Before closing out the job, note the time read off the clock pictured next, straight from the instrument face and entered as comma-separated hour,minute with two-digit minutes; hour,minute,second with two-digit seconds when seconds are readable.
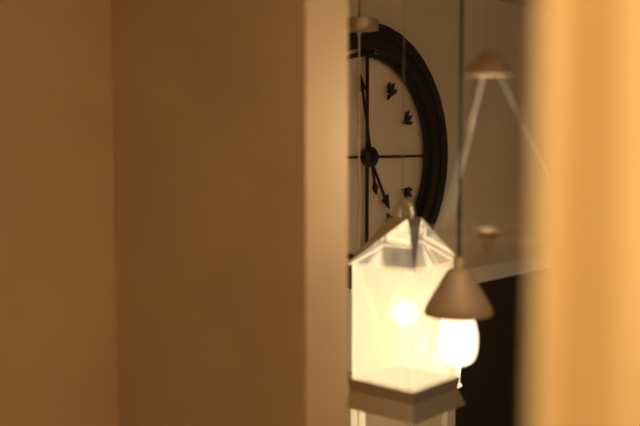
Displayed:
4,58
